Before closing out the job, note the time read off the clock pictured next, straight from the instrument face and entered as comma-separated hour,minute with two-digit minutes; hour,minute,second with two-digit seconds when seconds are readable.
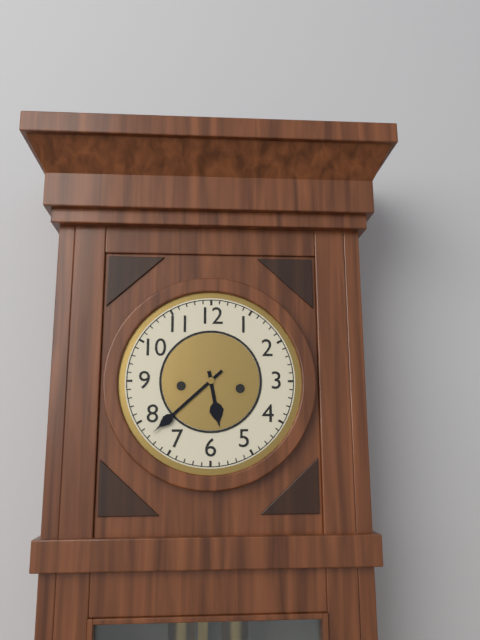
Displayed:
5,38
